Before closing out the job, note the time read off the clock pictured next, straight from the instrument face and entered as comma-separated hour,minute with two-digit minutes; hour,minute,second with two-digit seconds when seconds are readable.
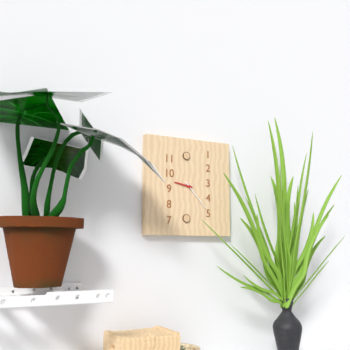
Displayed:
9,23
